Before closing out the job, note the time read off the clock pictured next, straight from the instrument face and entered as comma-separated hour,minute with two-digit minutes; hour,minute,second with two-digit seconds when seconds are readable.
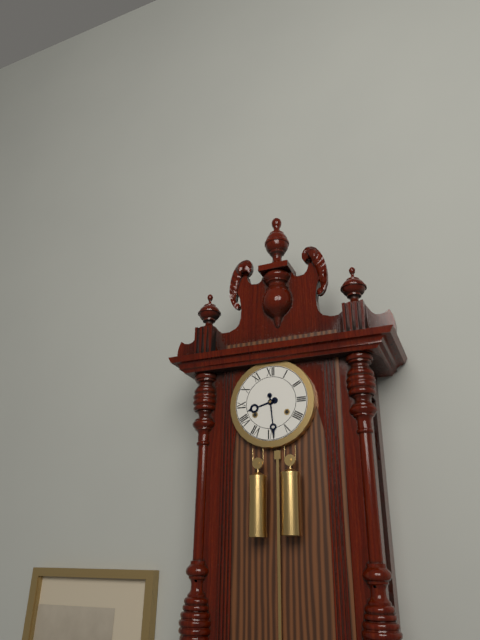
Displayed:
8,29
